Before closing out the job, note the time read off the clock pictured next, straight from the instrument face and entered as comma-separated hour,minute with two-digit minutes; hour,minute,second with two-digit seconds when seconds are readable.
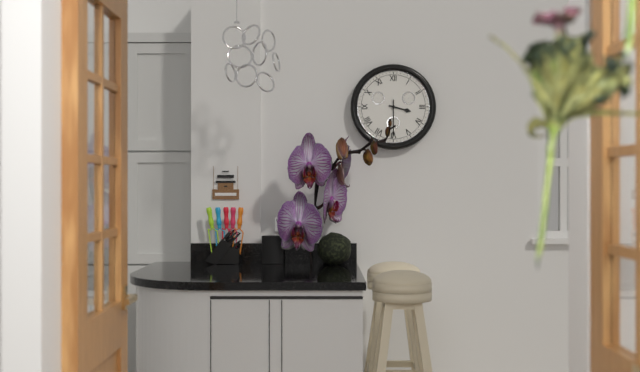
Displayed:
3,30
